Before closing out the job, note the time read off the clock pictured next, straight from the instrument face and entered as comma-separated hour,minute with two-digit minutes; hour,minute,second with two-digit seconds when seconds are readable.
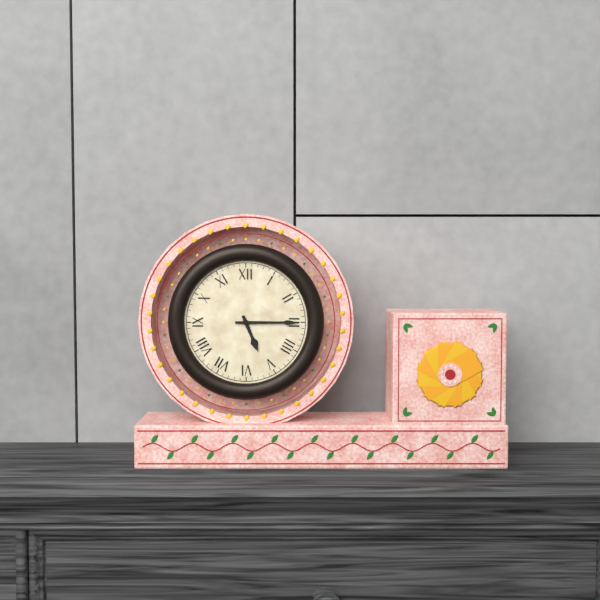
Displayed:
5,15
